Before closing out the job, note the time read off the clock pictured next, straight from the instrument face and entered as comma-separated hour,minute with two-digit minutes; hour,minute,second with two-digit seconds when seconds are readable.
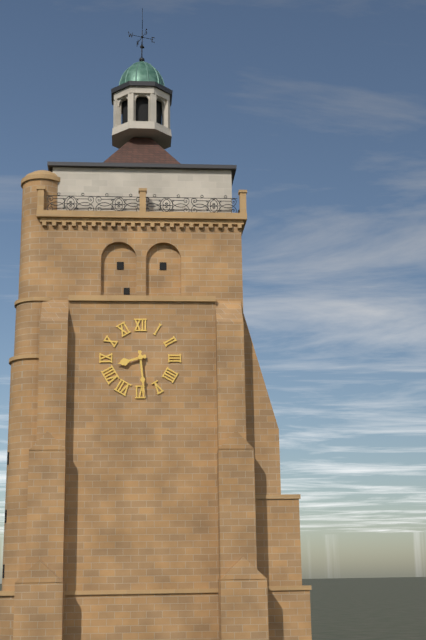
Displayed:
8,29
